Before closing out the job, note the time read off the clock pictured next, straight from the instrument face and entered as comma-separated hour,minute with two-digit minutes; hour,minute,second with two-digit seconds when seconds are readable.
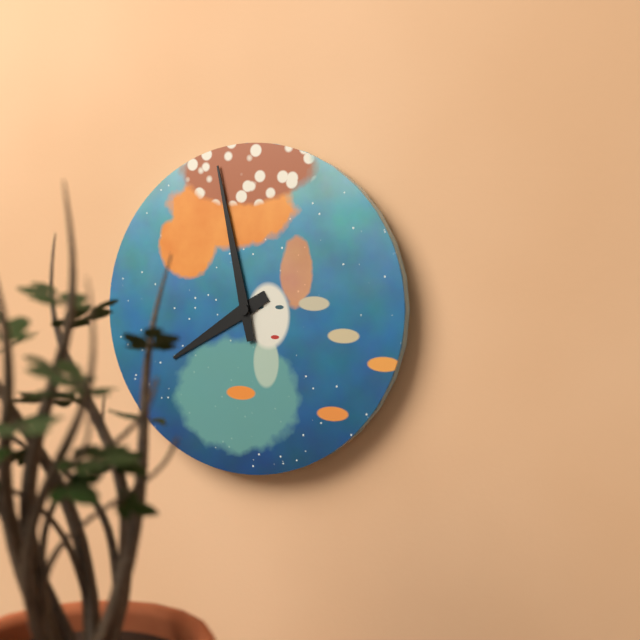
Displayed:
7,58
